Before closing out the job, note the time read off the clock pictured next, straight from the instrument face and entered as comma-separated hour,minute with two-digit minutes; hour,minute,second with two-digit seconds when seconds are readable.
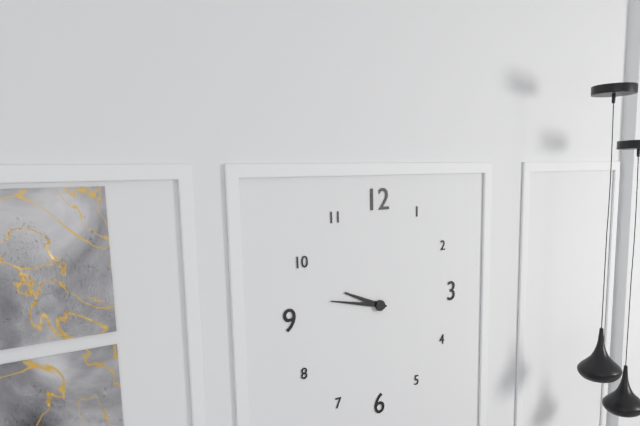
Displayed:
9,47
